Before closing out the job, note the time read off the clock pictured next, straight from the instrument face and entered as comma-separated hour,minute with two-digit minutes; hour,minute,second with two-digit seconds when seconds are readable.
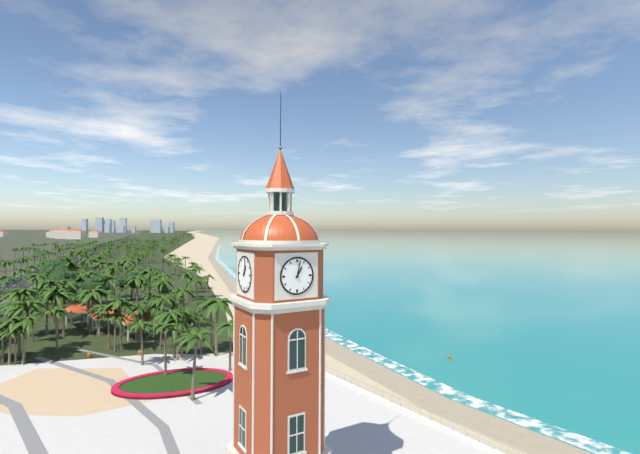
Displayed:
1,02
